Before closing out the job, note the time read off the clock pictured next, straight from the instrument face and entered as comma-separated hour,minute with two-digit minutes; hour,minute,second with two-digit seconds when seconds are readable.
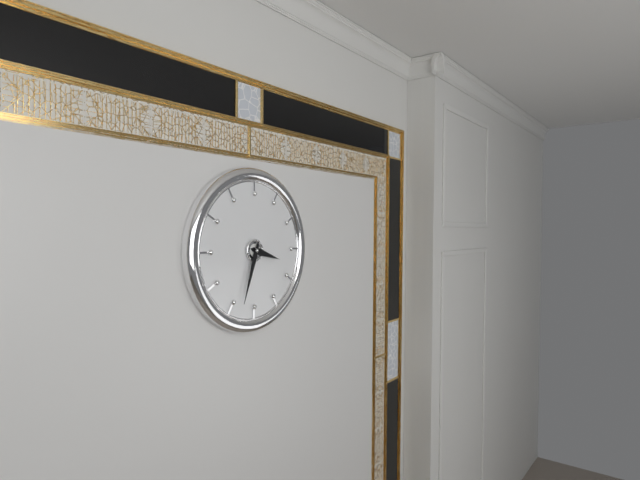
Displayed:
3,33
